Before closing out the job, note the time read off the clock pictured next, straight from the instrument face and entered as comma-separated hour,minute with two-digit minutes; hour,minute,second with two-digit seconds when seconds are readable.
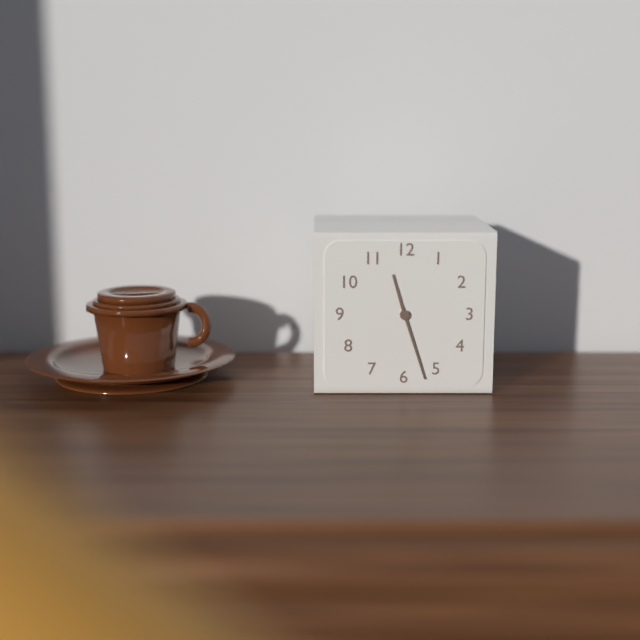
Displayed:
11,27
